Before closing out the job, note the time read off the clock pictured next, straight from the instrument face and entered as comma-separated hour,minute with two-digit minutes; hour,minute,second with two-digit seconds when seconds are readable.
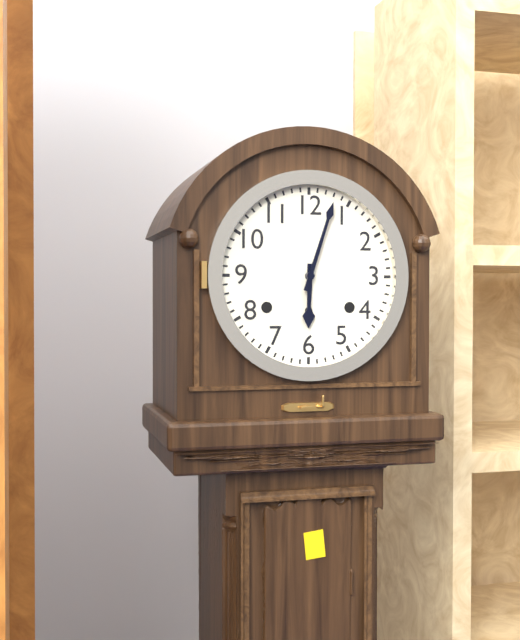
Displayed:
6,03
